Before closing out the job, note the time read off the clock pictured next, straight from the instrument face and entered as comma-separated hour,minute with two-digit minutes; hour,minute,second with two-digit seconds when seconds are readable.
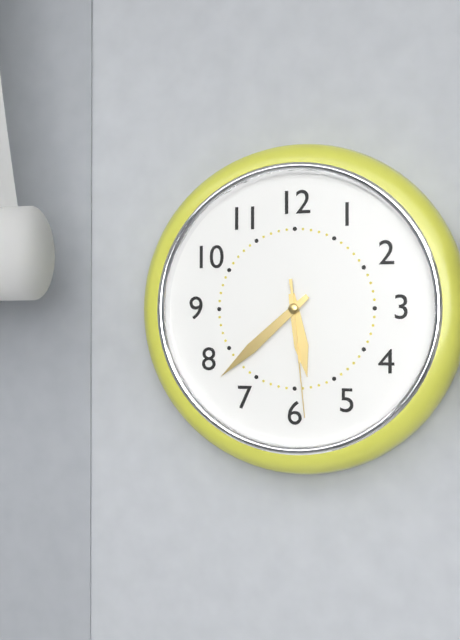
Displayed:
5,38,29
